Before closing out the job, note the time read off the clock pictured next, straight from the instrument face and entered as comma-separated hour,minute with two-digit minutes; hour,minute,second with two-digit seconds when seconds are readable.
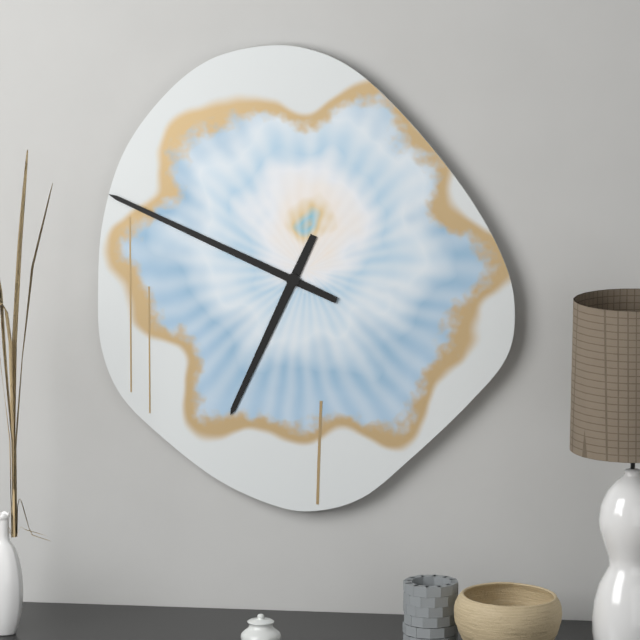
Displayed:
6,49
